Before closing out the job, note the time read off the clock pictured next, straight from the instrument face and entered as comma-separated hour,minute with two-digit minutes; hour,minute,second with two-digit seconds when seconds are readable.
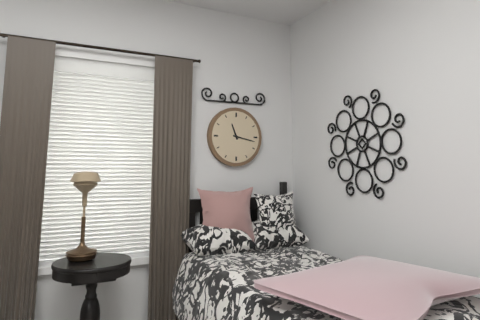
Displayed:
11,17
